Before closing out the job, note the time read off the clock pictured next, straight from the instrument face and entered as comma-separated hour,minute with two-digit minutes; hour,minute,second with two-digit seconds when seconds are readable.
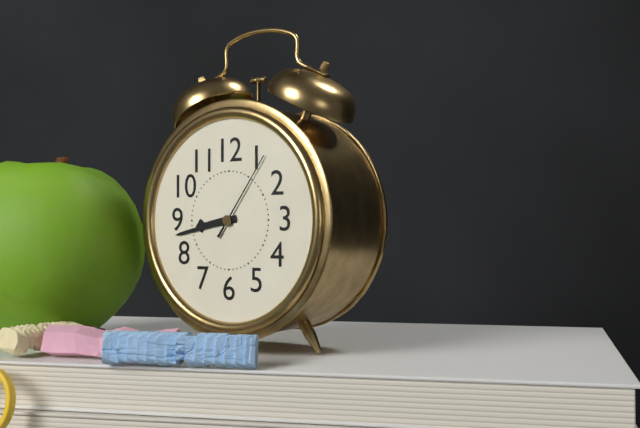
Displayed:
8,43,06
